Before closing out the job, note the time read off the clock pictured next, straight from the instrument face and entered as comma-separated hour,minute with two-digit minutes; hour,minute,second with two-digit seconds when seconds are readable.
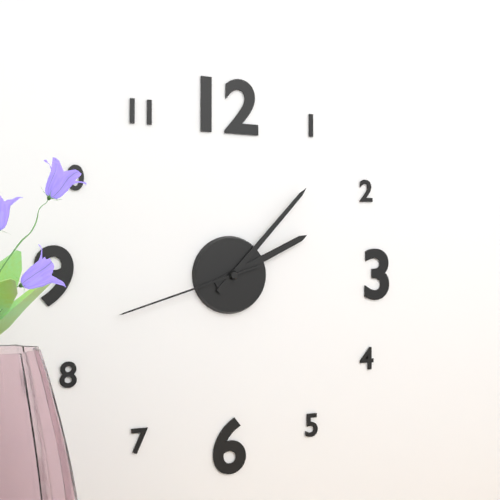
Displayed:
2,07,42
